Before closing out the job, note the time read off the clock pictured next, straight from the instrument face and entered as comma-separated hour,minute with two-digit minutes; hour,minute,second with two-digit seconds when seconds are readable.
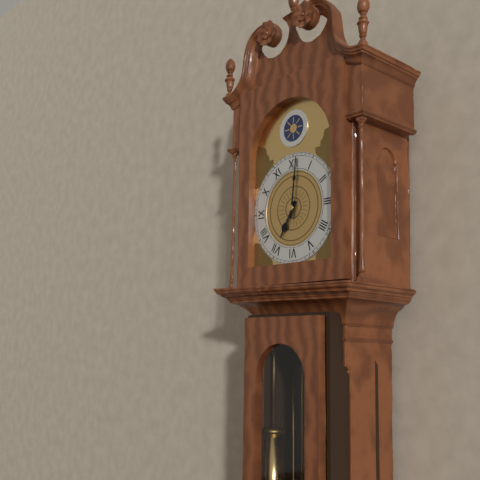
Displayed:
7,01
